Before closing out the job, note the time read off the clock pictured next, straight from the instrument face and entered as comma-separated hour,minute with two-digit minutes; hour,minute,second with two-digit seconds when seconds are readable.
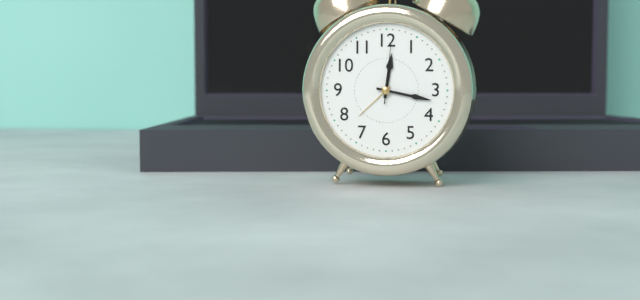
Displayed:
12,17,01
